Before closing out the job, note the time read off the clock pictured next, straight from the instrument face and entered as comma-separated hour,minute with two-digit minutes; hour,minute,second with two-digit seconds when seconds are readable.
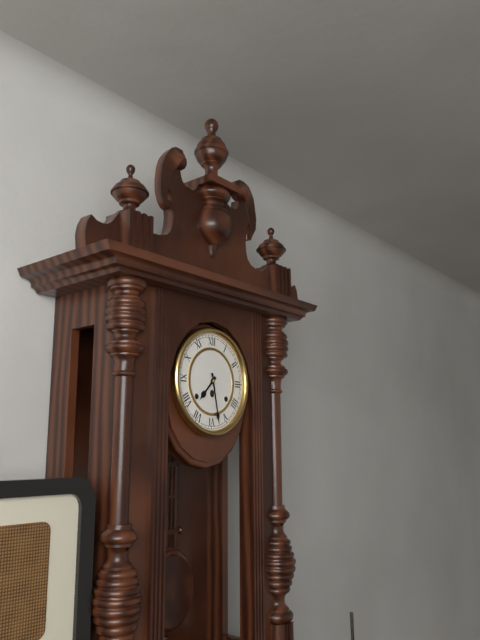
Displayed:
7,28
